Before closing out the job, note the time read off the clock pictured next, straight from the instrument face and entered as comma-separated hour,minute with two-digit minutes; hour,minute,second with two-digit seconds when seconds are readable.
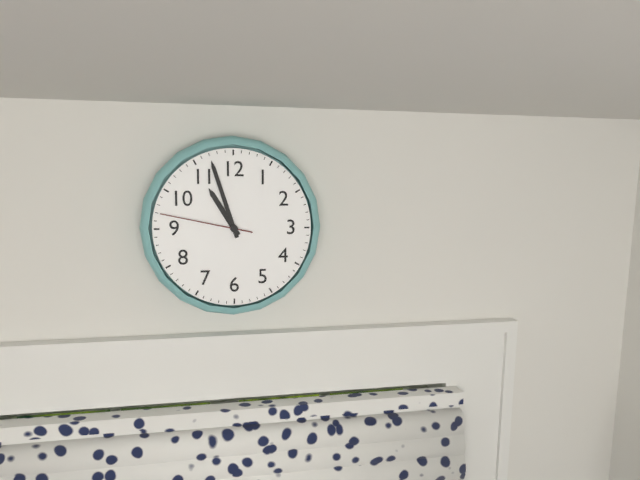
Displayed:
10,57,47
